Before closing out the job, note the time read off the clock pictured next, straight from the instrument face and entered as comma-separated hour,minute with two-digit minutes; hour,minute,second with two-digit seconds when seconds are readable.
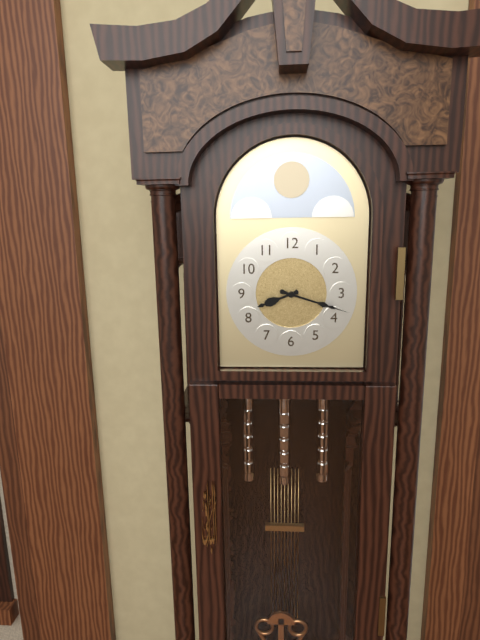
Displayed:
8,18
